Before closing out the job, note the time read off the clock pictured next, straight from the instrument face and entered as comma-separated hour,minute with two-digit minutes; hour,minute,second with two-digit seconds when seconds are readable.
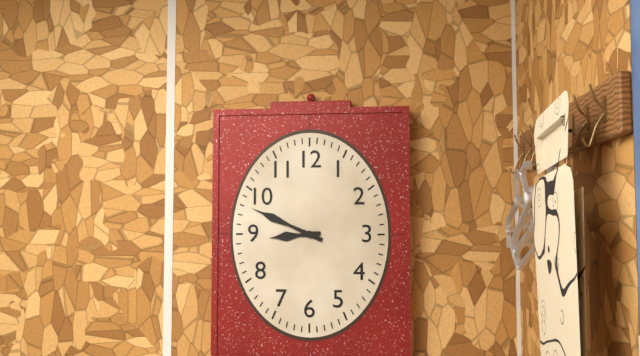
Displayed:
8,49
